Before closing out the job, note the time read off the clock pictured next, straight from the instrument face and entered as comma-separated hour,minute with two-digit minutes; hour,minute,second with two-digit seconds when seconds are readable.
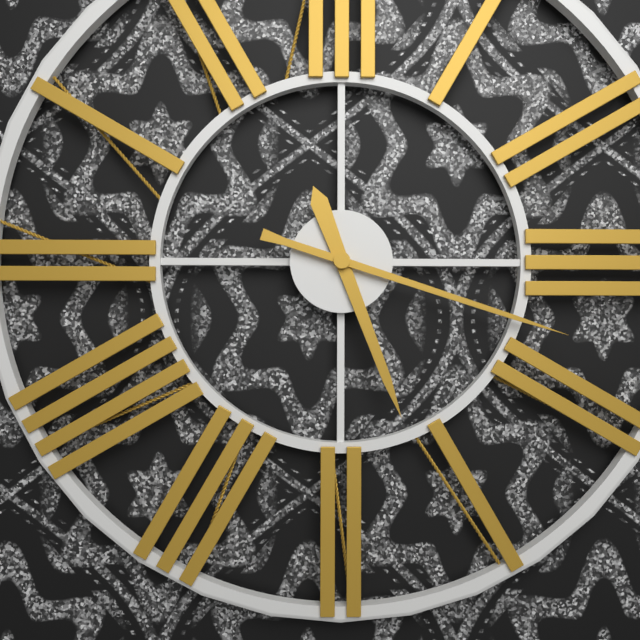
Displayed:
5,18
